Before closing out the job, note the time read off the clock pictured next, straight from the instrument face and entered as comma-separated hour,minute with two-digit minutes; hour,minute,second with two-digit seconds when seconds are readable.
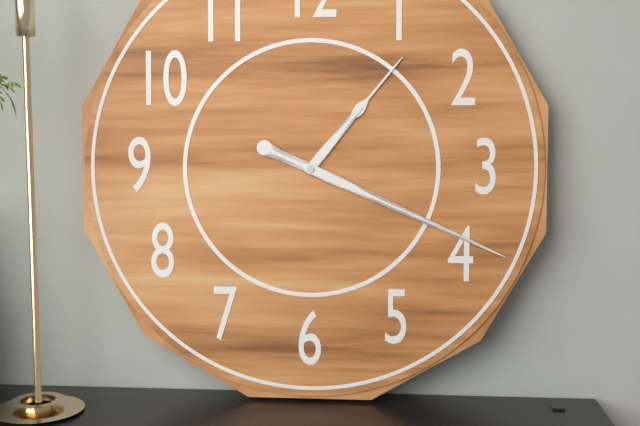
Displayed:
1,19
